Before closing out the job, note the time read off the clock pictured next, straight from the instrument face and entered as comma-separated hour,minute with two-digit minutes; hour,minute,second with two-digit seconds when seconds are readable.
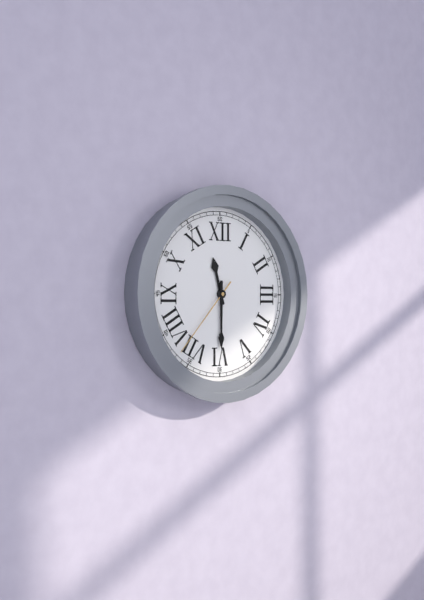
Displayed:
11,30,37
